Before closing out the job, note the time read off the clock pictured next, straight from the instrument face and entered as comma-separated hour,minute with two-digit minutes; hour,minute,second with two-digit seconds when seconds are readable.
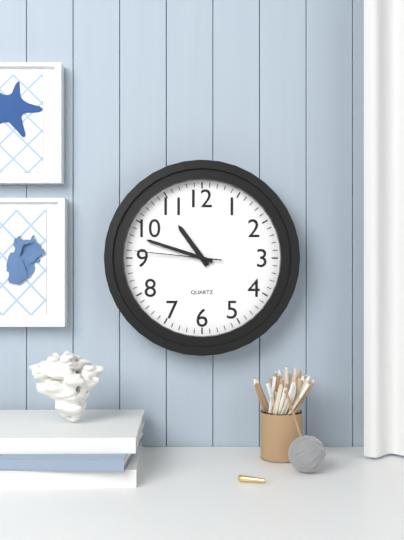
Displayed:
10,48,46
